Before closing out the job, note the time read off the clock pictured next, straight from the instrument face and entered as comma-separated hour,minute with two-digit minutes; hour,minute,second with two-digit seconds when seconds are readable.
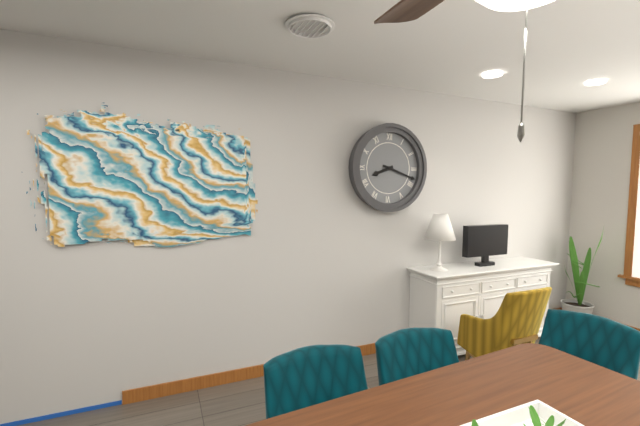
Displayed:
8,18
